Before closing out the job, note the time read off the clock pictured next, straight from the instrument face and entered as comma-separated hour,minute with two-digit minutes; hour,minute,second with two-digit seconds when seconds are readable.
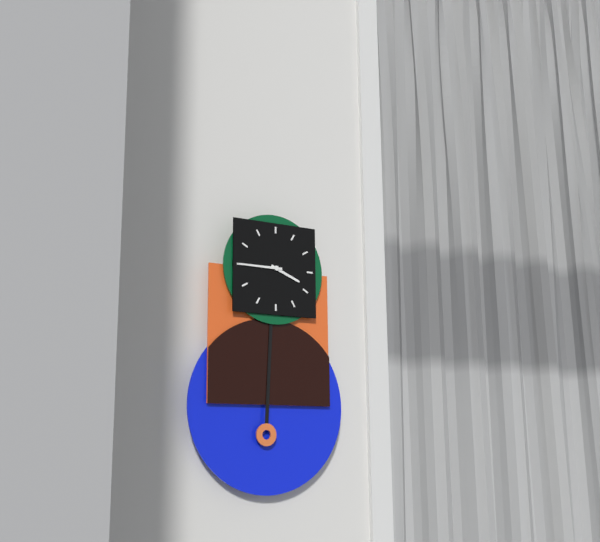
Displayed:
3,45
